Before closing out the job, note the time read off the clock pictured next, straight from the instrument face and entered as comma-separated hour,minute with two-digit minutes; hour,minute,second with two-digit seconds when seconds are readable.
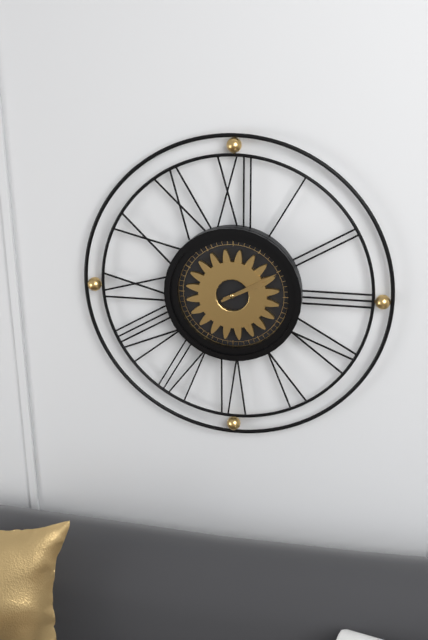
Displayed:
2,10
